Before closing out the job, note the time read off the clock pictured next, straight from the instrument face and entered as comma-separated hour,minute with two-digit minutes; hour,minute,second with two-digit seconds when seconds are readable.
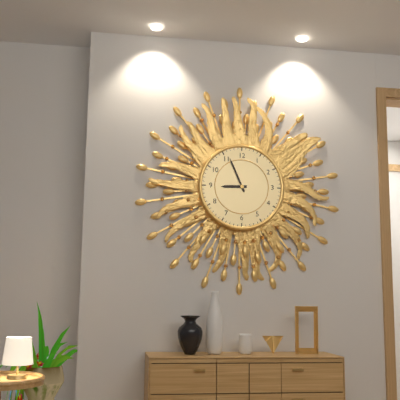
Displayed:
8,56
